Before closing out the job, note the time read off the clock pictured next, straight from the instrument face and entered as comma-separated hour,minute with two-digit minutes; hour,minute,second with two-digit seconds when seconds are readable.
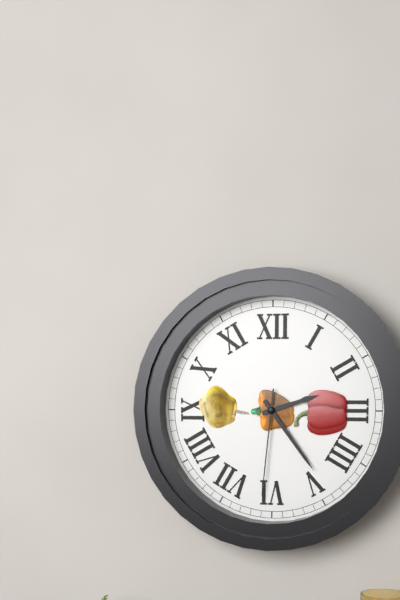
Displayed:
2,24,31
